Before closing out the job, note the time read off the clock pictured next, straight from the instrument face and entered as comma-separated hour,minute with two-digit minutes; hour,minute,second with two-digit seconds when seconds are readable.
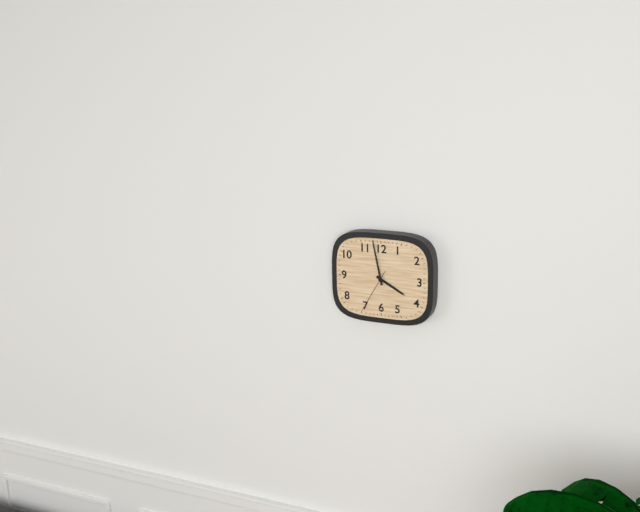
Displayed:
3,58,35
